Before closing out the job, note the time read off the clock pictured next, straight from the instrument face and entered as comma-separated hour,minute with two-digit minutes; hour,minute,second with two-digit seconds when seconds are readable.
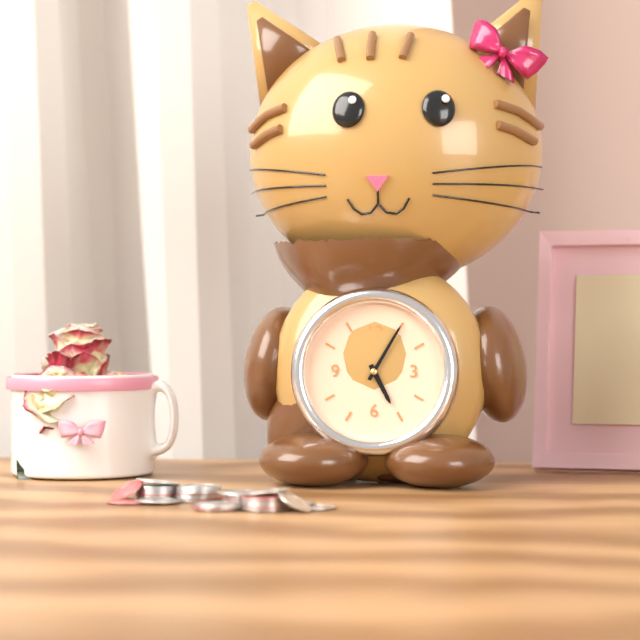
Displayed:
5,05
